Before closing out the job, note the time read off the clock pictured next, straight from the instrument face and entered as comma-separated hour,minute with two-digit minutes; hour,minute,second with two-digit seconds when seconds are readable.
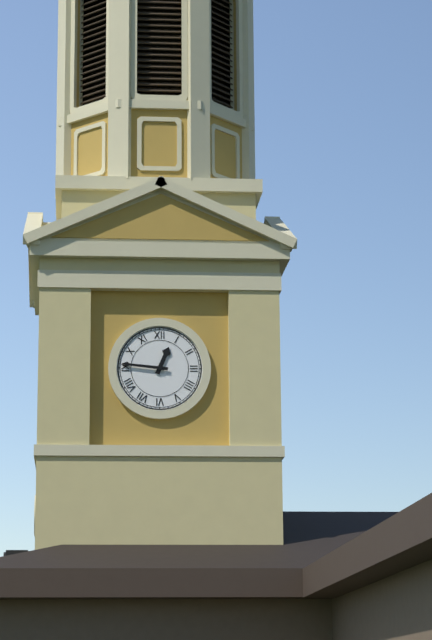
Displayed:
12,46
